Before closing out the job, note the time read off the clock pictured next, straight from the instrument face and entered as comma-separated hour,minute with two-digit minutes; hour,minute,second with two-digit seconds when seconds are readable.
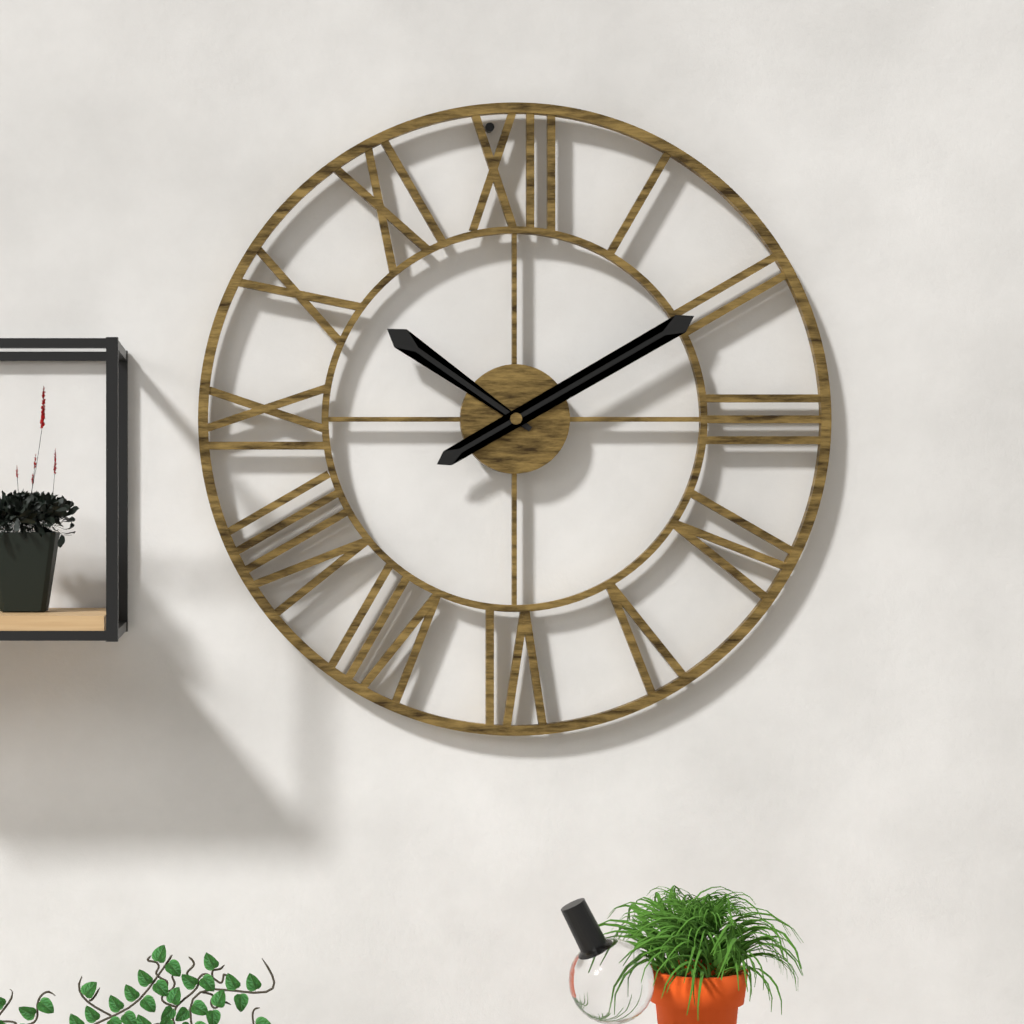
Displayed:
10,10
